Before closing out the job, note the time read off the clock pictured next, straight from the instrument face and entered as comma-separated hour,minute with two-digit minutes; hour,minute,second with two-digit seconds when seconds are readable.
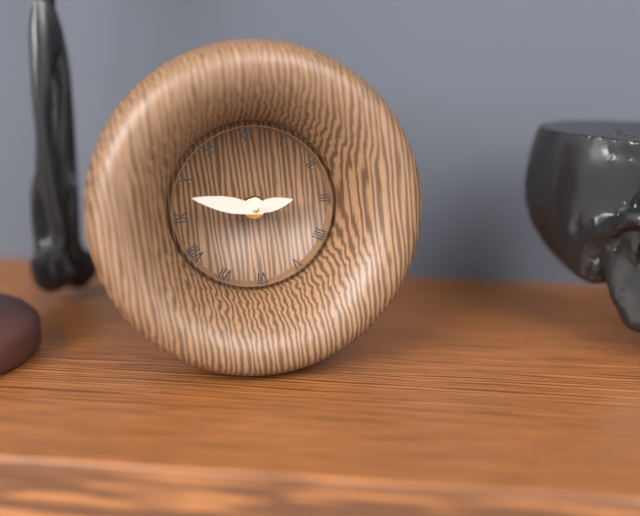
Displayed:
2,48
